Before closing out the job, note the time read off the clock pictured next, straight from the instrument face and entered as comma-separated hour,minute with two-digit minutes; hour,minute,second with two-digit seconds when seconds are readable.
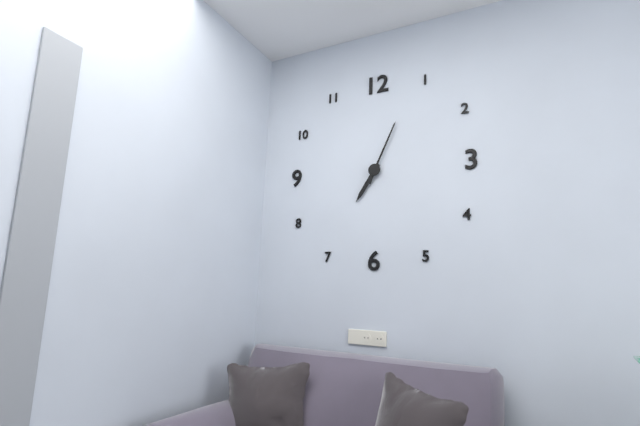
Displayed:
7,04
